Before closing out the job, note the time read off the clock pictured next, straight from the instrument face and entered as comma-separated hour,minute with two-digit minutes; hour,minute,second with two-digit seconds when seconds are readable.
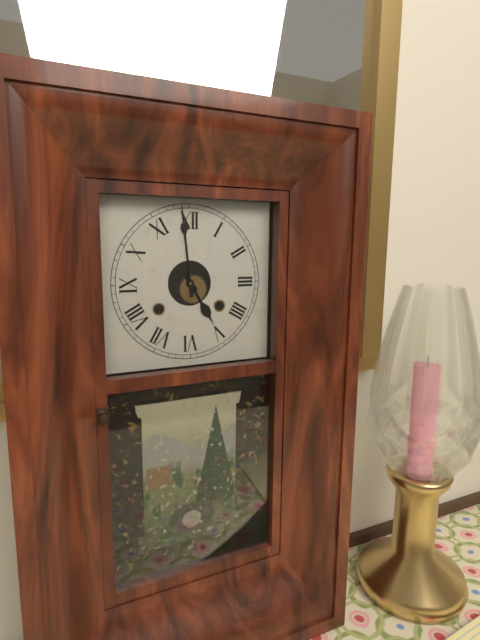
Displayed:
4,59
